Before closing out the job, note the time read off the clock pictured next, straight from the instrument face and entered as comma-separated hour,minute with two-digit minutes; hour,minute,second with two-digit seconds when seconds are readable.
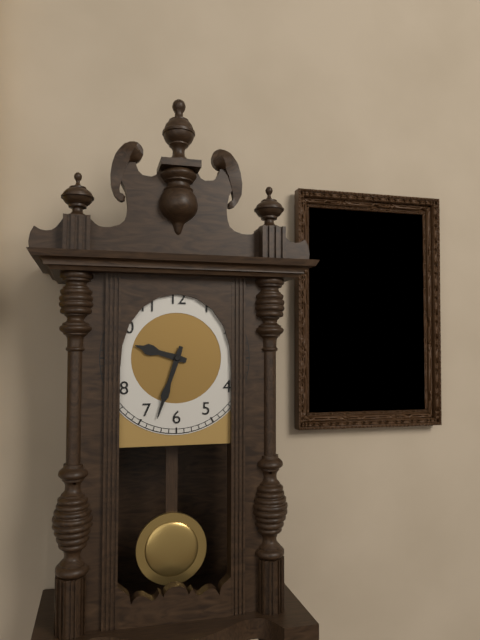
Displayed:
9,33
